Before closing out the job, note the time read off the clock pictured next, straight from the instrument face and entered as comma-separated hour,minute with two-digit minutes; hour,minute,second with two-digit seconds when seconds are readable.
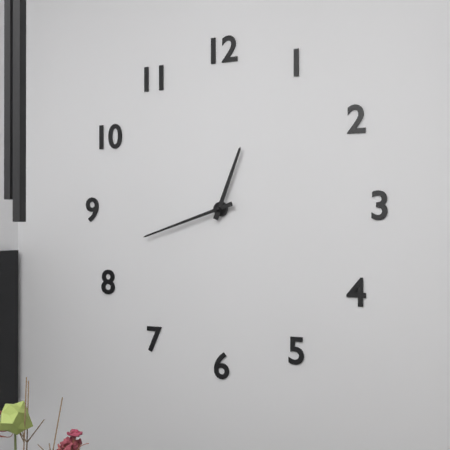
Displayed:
12,42
